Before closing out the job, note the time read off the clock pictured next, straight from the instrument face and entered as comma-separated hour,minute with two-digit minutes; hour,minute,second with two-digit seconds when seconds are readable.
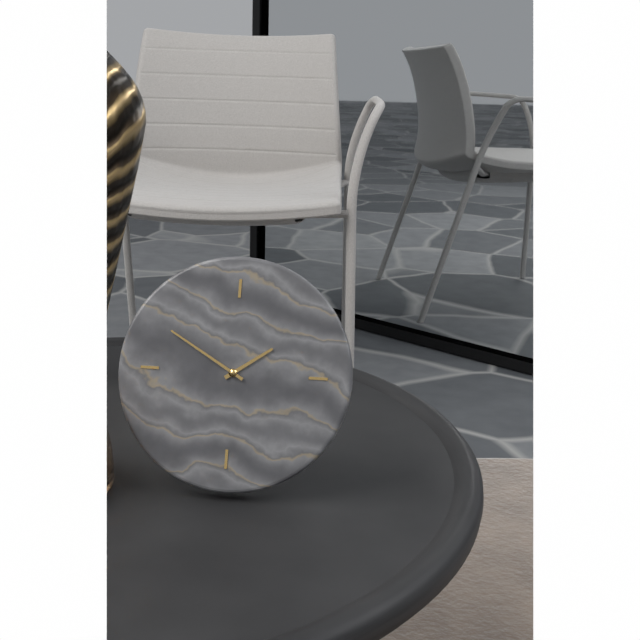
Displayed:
1,50
